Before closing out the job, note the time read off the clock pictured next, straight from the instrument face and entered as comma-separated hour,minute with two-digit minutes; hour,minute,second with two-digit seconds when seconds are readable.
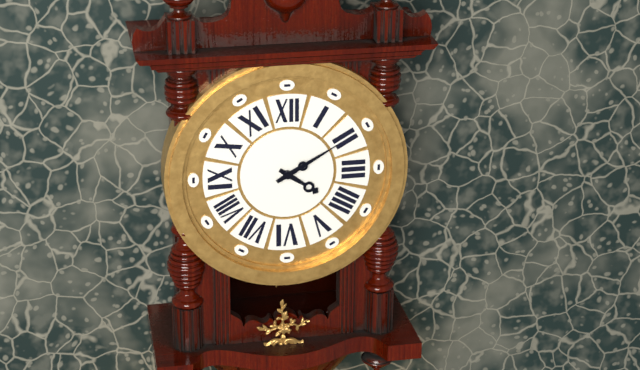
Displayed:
4,10
